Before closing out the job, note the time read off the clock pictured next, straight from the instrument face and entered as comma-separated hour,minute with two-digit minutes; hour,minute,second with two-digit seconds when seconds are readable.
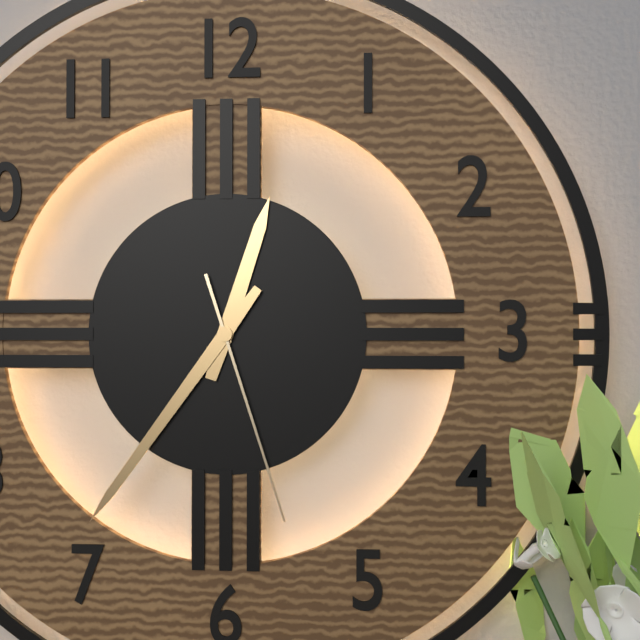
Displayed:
12,36,27
